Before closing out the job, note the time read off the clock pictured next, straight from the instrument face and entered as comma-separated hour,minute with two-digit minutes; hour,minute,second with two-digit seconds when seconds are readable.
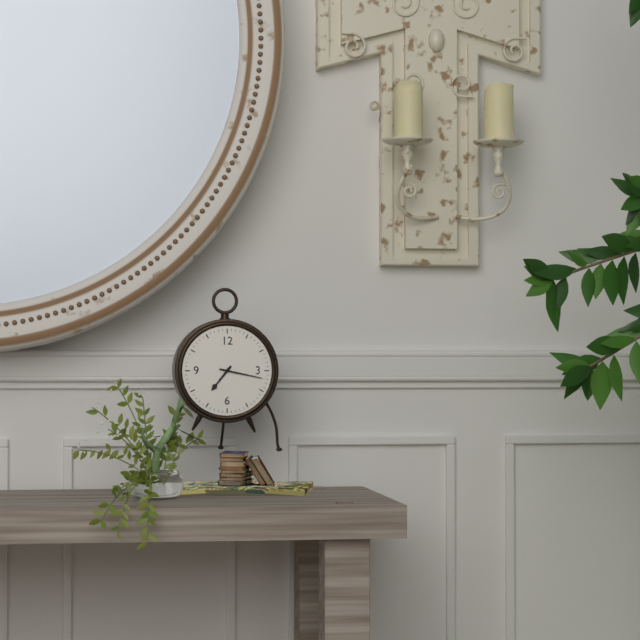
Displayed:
7,17
